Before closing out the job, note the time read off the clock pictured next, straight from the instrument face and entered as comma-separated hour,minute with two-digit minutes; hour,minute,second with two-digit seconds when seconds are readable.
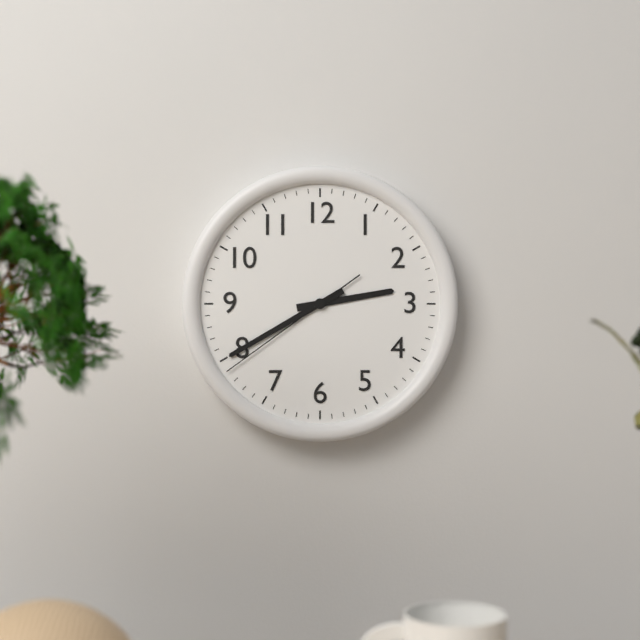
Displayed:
2,40,39
